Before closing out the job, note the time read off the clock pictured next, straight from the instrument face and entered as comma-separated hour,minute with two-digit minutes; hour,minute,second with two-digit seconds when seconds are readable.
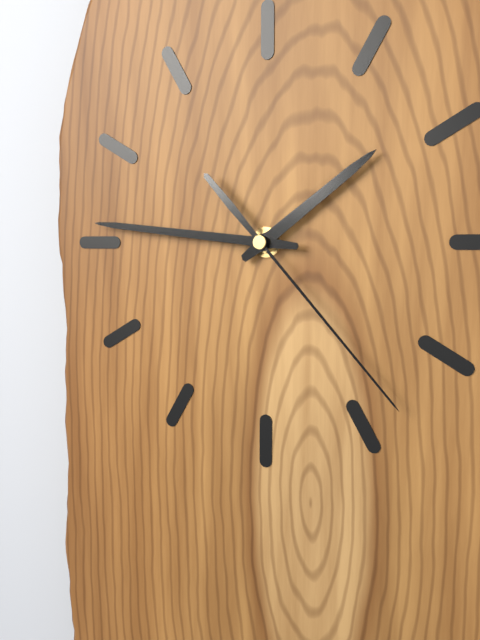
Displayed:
1,46,23
